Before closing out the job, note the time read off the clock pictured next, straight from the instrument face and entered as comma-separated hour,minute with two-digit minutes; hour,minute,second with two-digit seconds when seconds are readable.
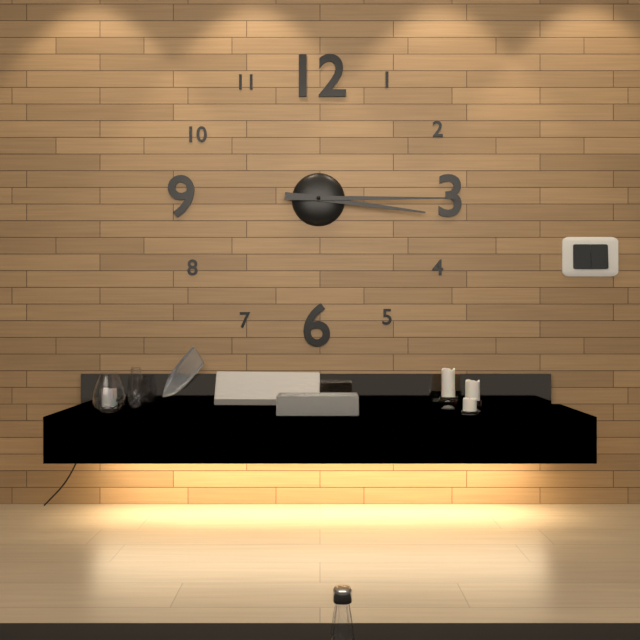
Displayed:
3,15
